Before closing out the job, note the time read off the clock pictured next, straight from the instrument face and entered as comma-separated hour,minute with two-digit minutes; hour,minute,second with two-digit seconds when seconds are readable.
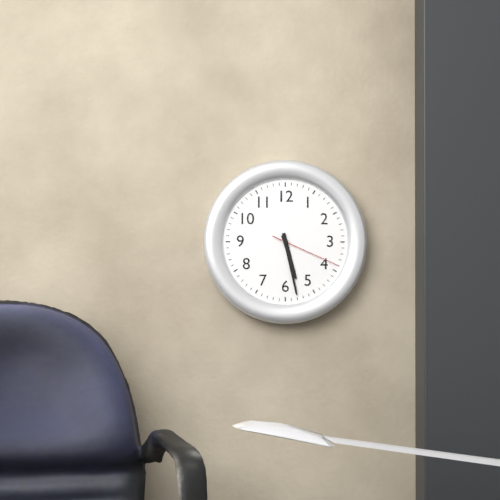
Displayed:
5,28,19
